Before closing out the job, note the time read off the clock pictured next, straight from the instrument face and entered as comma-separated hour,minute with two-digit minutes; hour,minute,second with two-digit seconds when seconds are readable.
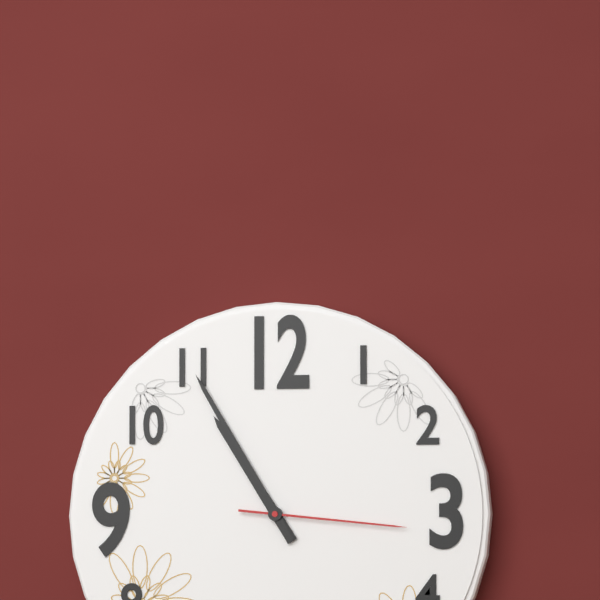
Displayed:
10,55,16
